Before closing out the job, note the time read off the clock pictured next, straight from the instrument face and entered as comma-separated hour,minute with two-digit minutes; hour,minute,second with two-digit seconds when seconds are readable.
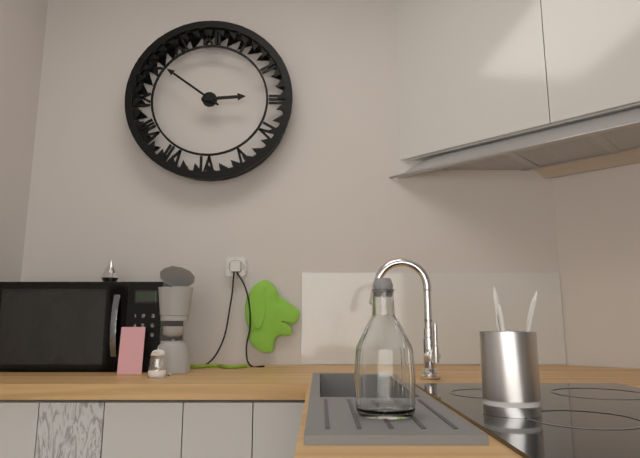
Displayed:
2,51
